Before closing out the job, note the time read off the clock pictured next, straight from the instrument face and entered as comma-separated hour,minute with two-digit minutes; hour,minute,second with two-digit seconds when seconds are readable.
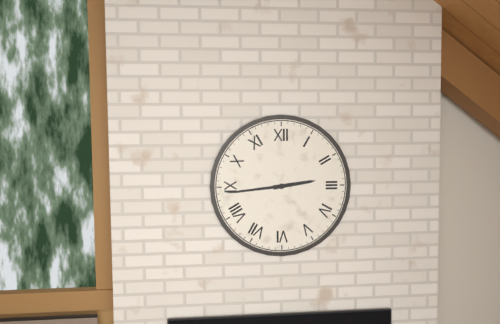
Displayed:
2,44
